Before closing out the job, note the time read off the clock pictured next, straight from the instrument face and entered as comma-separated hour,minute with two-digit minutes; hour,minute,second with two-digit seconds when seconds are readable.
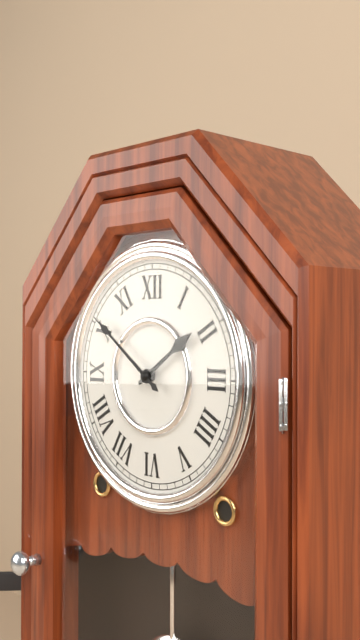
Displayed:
1,51
